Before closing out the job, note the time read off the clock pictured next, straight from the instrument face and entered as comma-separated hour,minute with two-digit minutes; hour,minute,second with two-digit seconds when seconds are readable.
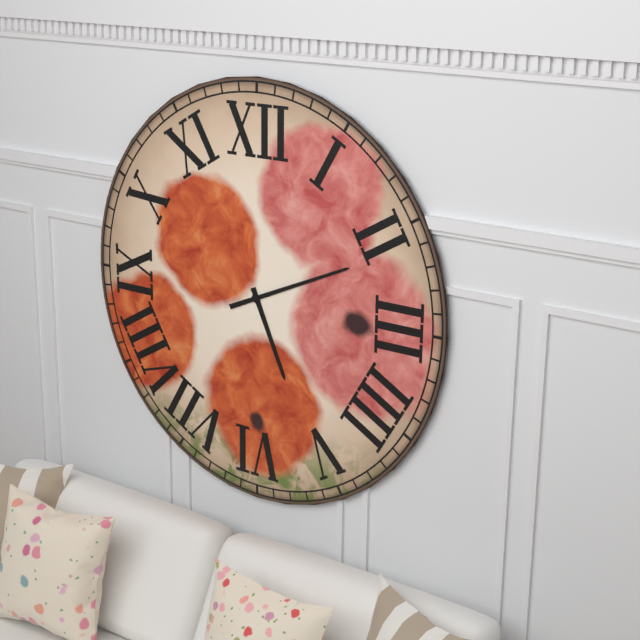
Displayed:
5,11
